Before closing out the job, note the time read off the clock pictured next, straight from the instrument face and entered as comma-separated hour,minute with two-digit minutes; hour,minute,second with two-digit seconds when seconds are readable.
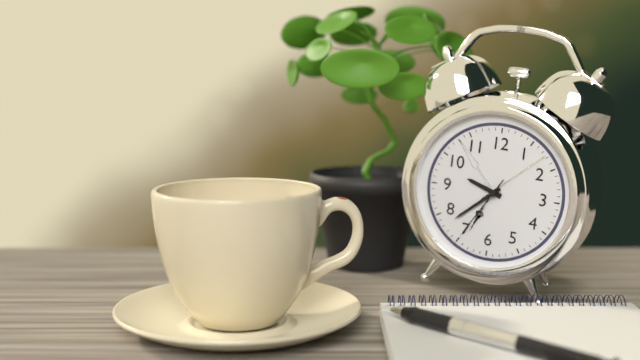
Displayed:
9,38,35
